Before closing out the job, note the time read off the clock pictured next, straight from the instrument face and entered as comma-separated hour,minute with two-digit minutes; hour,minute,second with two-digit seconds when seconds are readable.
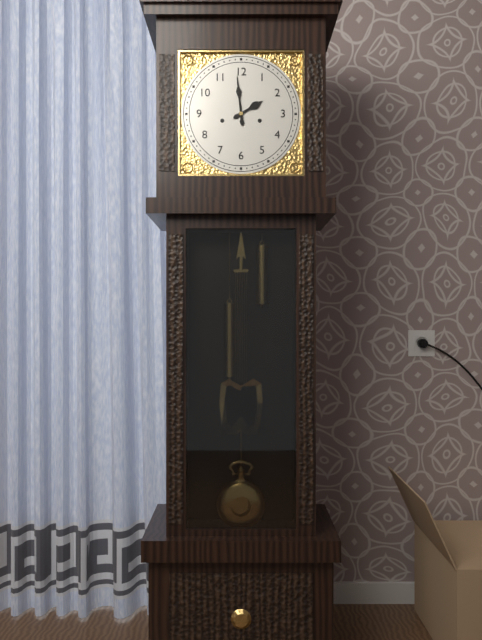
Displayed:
1,59
